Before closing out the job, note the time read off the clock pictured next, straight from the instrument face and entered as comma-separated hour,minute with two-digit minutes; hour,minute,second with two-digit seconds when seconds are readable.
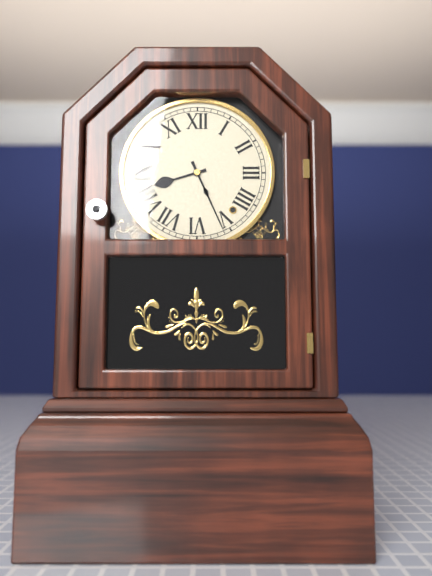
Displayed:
8,26
